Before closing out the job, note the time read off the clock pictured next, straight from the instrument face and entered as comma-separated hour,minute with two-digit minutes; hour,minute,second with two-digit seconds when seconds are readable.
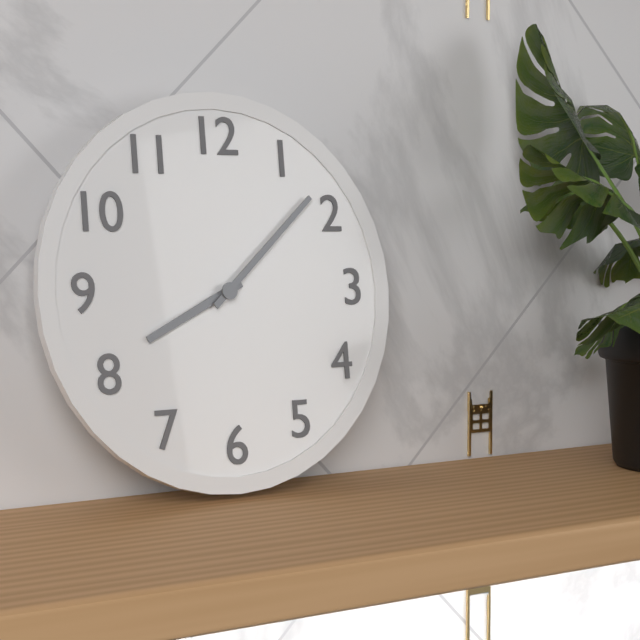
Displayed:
8,08
